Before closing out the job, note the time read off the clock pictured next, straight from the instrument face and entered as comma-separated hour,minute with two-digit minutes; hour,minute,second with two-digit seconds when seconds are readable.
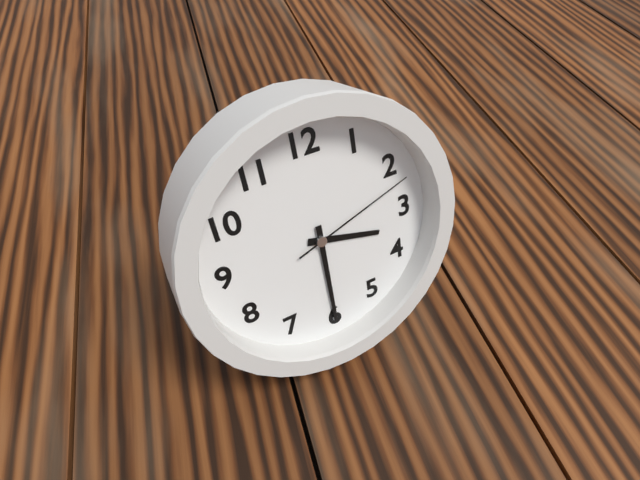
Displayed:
3,30,12
